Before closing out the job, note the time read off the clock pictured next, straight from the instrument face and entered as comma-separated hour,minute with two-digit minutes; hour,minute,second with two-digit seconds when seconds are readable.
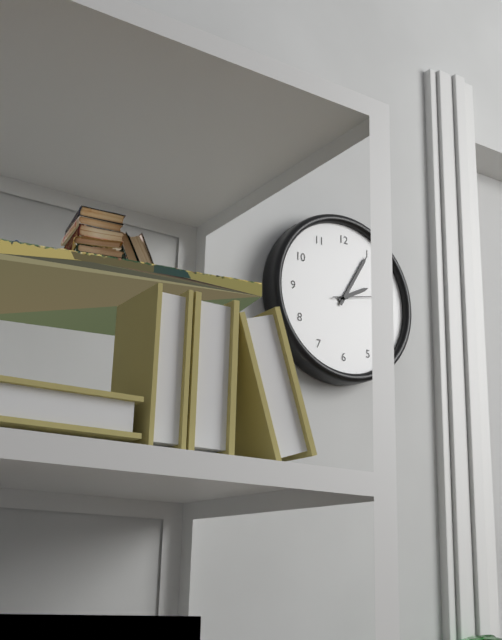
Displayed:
2,05
